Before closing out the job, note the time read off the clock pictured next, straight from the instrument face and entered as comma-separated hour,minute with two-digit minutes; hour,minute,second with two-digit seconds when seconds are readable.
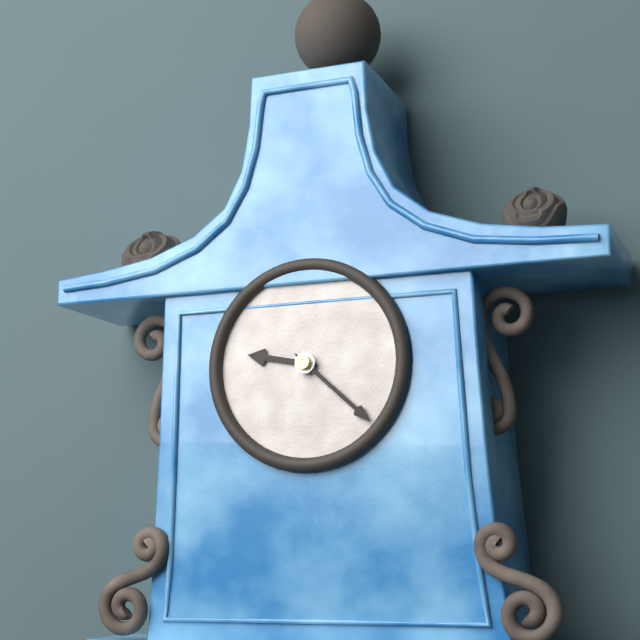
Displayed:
9,22
